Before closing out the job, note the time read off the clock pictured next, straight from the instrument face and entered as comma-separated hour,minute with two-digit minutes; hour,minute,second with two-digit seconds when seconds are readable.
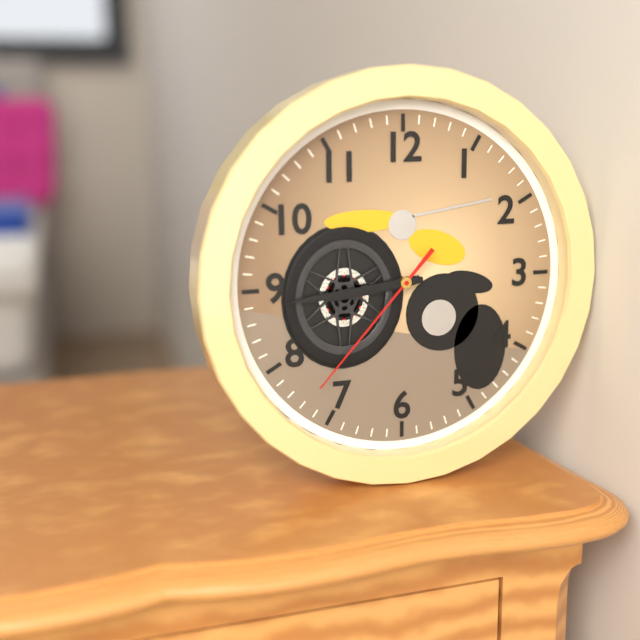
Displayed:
8,44,37
